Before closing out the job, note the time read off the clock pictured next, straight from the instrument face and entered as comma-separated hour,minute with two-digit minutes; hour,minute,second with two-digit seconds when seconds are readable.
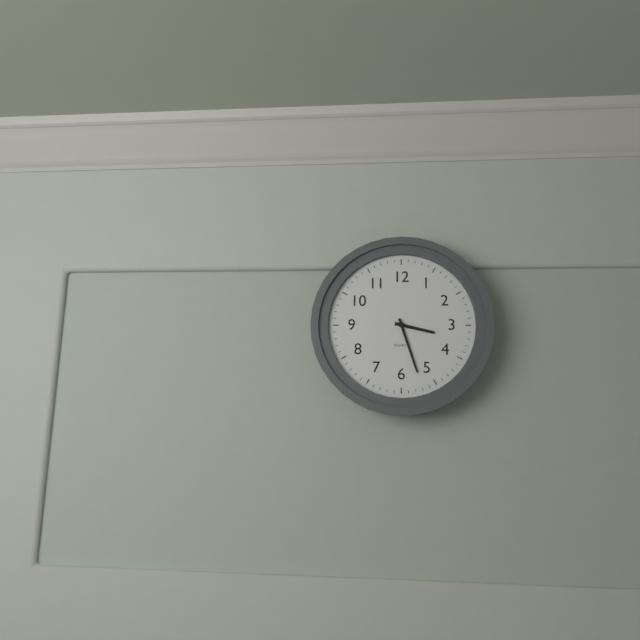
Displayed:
3,27
